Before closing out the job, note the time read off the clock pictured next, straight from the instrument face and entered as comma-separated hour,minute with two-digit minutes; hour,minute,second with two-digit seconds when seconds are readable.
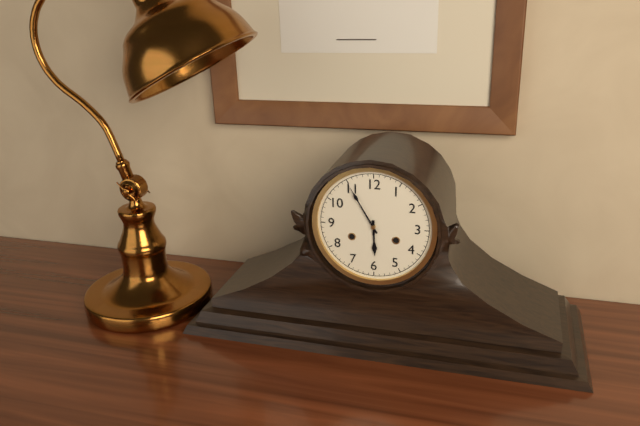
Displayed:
5,55
